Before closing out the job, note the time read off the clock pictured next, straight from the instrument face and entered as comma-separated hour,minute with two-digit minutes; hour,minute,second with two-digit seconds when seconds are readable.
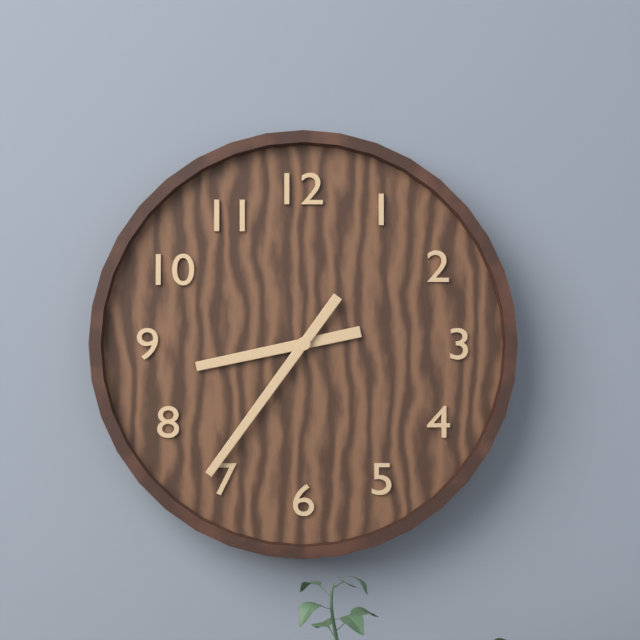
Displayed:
8,36
